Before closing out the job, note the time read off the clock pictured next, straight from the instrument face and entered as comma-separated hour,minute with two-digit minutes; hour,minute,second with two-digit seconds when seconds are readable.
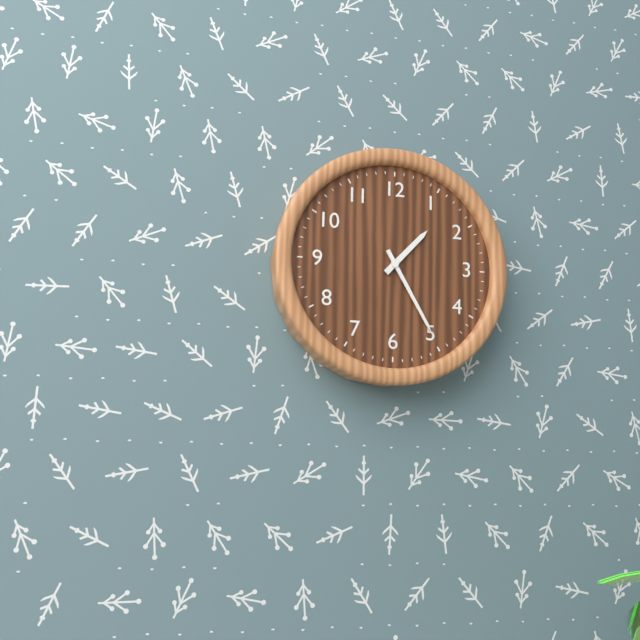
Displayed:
1,25
